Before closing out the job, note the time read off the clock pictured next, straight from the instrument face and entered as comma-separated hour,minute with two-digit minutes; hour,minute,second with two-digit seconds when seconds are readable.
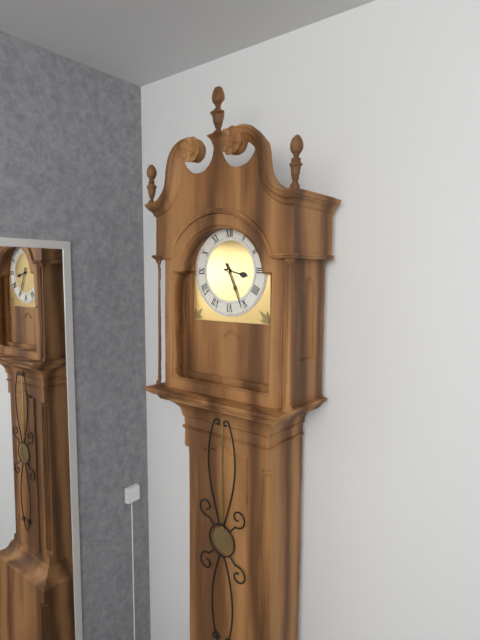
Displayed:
3,26
